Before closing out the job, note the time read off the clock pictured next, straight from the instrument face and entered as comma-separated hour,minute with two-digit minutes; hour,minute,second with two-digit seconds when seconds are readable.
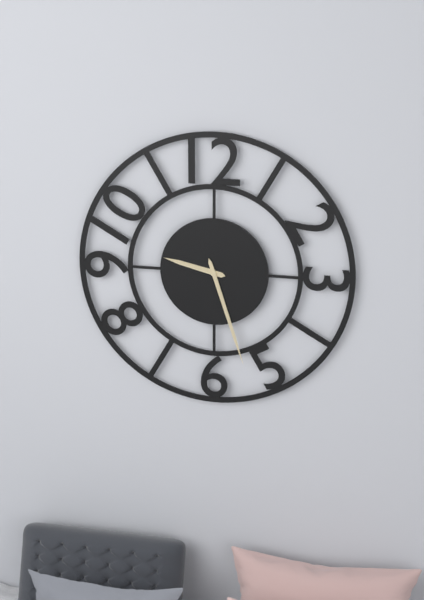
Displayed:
9,27
